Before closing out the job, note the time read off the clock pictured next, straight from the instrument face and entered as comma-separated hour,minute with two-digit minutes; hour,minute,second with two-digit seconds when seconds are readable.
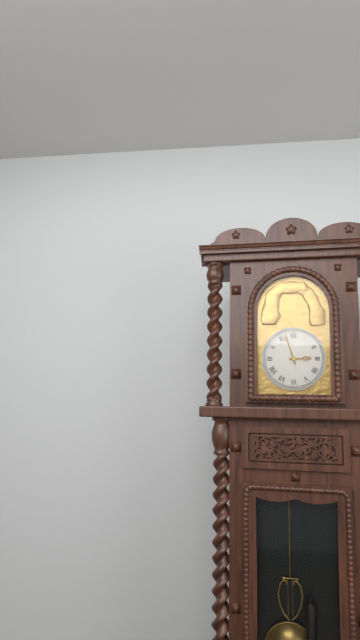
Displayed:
2,57
